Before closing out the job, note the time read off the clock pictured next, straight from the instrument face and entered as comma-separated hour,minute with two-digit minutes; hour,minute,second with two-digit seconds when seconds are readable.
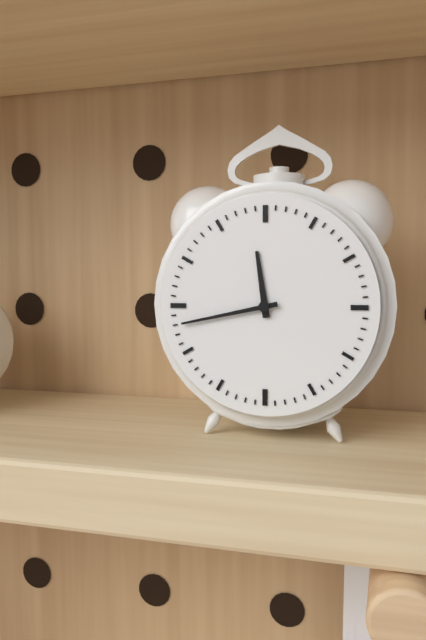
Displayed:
11,43
